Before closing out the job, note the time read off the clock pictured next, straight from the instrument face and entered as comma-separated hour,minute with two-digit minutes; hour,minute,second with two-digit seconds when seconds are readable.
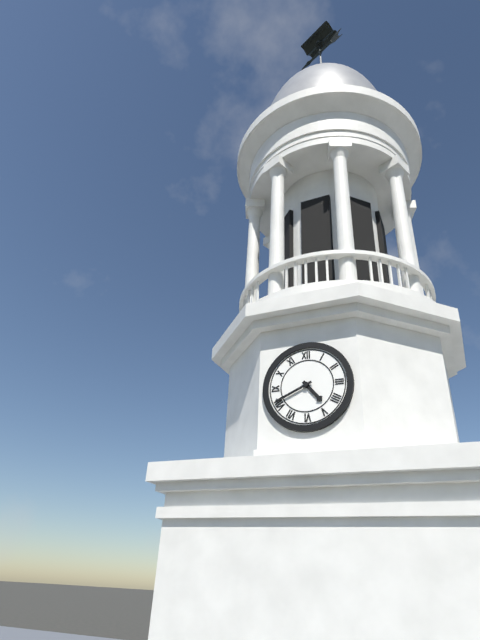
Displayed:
4,41
